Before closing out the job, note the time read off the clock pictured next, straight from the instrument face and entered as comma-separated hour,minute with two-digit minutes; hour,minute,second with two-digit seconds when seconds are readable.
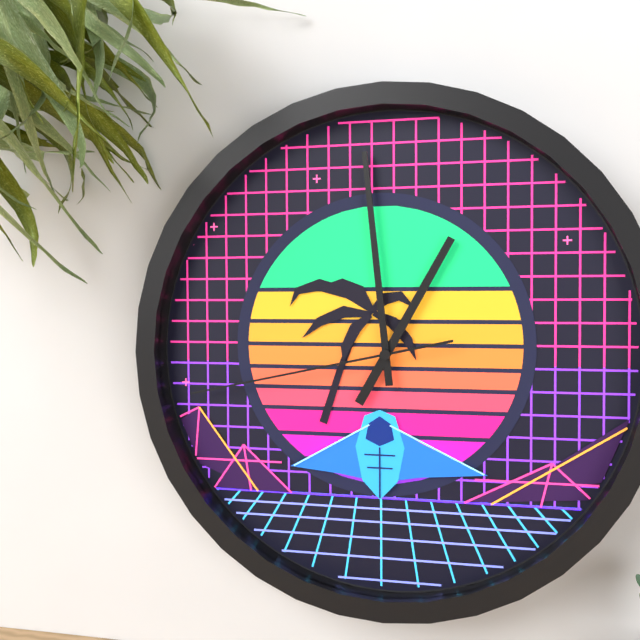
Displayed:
12,59,43
